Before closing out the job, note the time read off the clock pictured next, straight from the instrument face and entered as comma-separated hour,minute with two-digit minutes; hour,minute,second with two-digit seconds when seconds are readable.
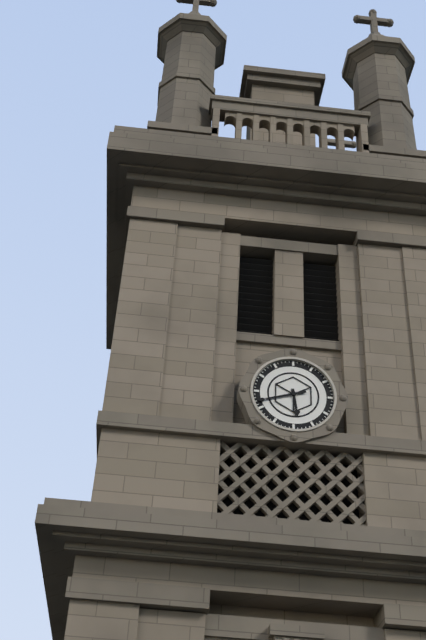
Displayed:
5,42
